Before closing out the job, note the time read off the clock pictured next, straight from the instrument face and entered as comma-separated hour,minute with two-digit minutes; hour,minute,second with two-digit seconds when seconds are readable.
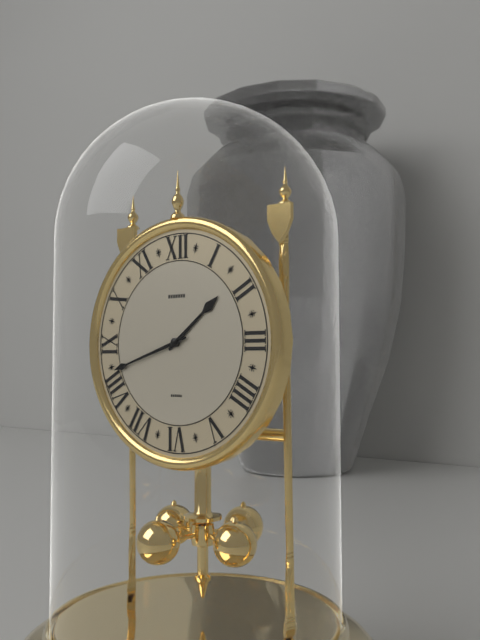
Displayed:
1,42
